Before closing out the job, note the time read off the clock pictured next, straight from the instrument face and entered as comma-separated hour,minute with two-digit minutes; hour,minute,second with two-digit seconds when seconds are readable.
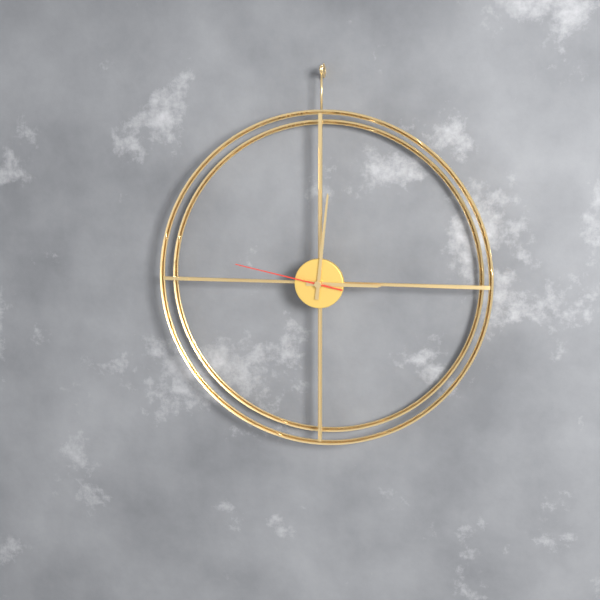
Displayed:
3,01,47
